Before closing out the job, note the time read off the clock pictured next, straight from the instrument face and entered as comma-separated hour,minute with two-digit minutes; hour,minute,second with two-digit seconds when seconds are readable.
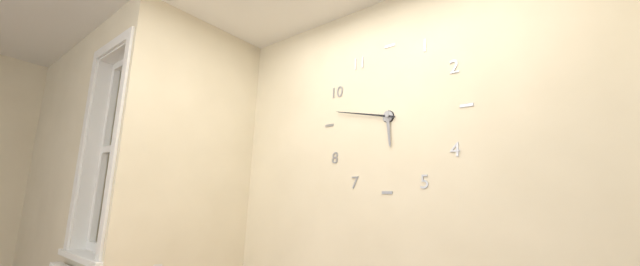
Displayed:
5,47
